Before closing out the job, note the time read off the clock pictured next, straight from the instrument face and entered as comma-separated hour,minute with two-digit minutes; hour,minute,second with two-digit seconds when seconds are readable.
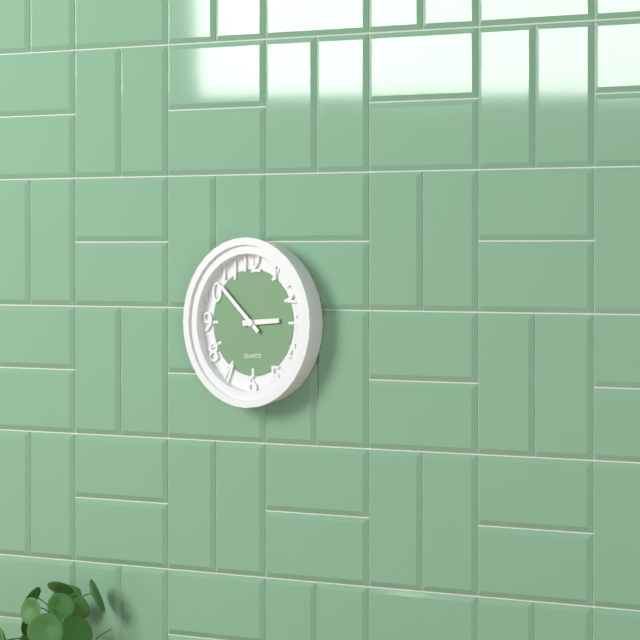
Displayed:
2,52
